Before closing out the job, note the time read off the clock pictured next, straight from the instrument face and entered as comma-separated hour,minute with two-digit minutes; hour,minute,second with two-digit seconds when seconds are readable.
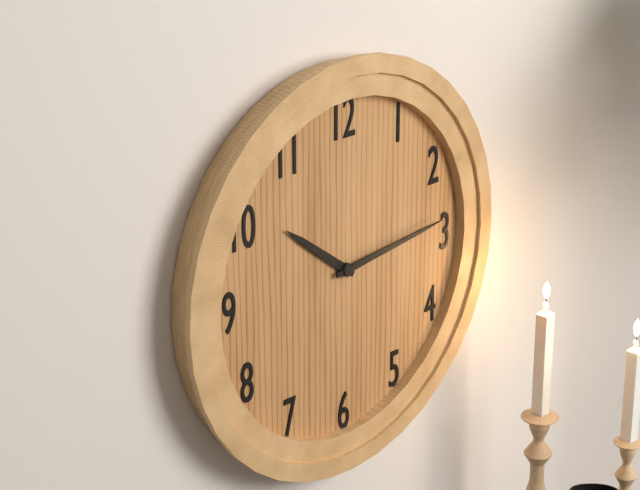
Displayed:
10,14
